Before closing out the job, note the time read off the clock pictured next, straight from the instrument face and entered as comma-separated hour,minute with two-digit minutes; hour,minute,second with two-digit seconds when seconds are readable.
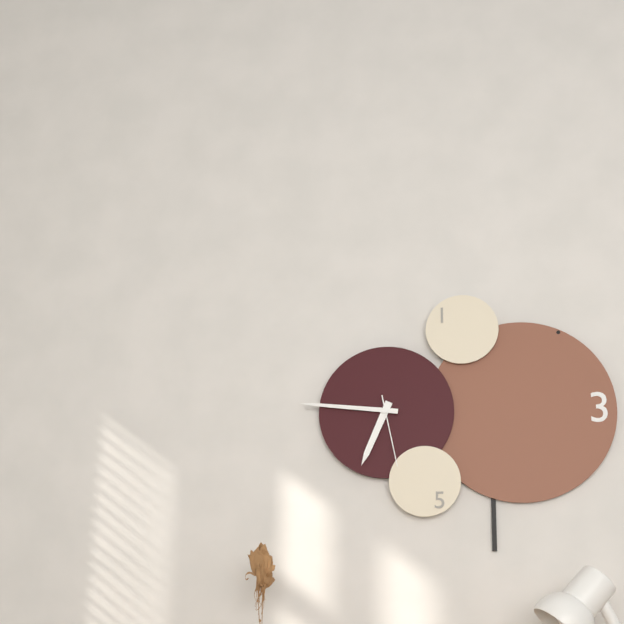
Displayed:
6,46,28
